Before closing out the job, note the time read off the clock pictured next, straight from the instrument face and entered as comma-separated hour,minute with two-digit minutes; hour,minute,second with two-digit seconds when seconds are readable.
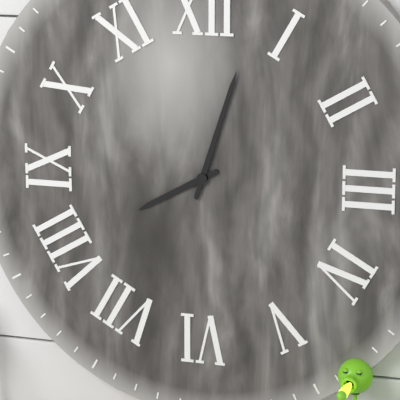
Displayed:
8,03
